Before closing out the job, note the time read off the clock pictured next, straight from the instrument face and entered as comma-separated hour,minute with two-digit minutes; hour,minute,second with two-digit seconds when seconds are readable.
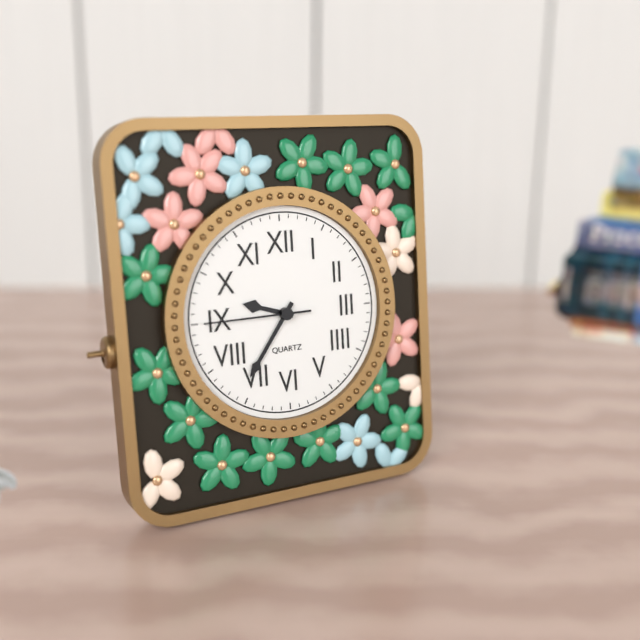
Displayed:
9,36,45
